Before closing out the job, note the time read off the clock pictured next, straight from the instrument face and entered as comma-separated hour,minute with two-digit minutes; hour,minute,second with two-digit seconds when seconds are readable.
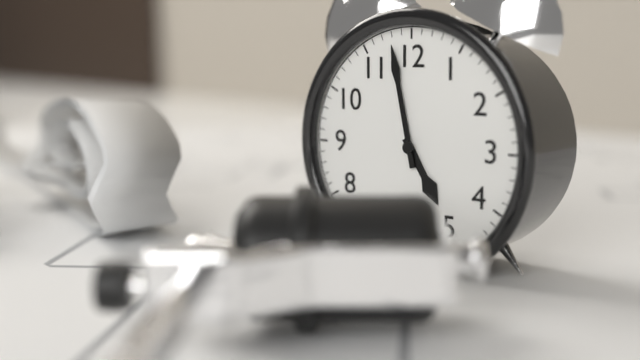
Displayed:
4,58
